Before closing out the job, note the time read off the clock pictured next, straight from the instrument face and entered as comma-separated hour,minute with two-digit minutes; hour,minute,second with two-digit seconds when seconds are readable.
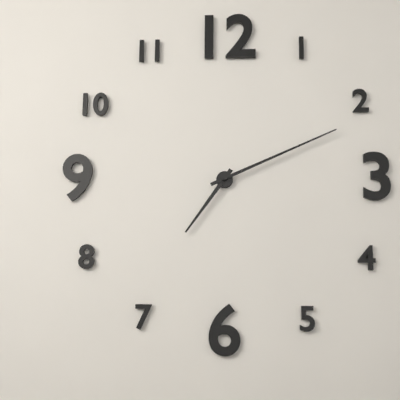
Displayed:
7,11
